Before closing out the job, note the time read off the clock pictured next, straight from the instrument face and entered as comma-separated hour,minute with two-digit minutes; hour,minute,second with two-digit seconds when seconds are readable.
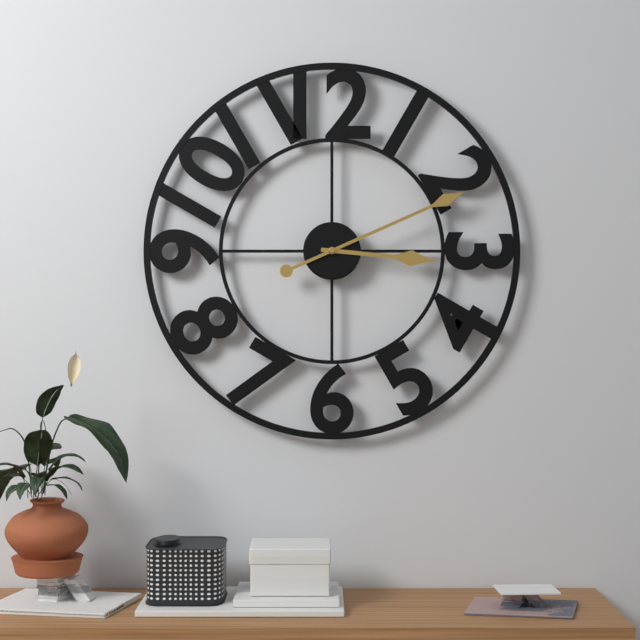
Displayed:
3,11
